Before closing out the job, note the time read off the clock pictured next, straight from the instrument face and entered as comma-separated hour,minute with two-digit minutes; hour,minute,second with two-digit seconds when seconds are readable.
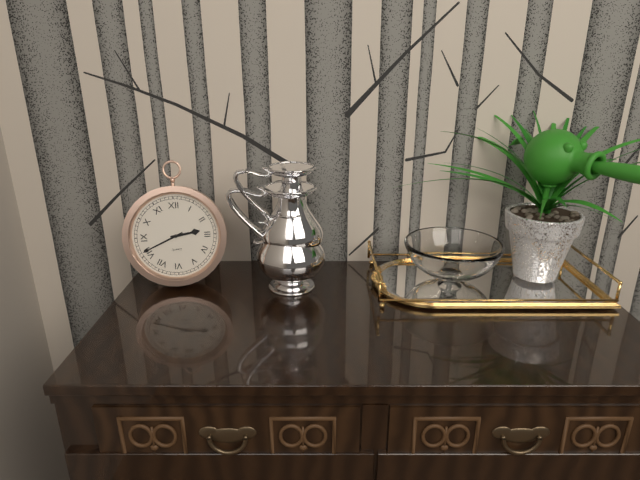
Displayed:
2,41
